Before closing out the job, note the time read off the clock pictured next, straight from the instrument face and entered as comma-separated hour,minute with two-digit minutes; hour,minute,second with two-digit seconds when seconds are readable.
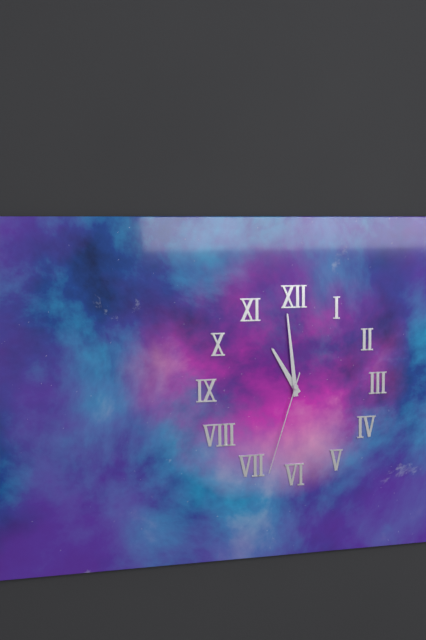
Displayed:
10,59,33
